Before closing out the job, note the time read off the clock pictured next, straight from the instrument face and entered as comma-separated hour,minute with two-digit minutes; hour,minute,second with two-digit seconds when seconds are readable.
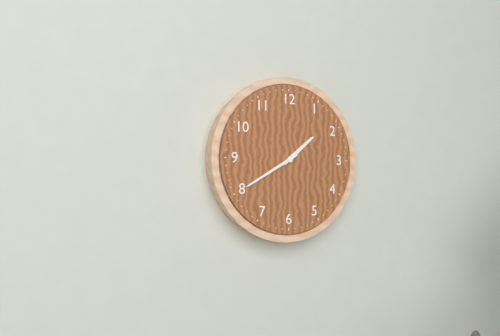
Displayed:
1,40
